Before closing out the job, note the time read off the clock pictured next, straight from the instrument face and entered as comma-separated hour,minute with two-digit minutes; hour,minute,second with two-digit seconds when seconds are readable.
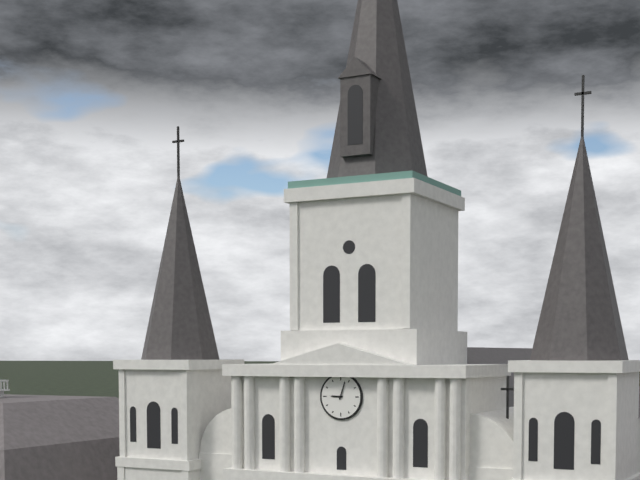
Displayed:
9,03
